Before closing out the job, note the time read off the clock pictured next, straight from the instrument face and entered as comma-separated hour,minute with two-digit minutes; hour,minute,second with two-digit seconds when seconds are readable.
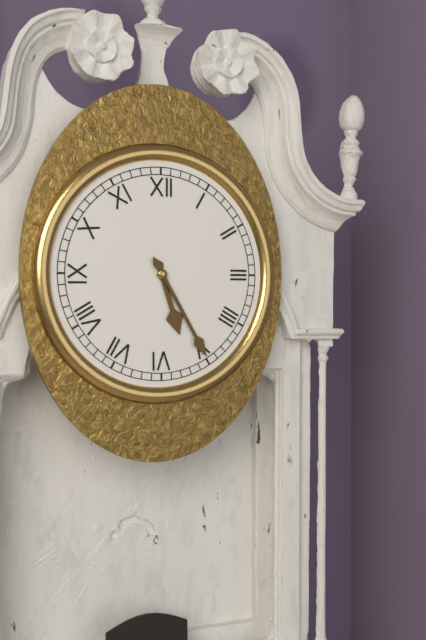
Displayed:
5,25
